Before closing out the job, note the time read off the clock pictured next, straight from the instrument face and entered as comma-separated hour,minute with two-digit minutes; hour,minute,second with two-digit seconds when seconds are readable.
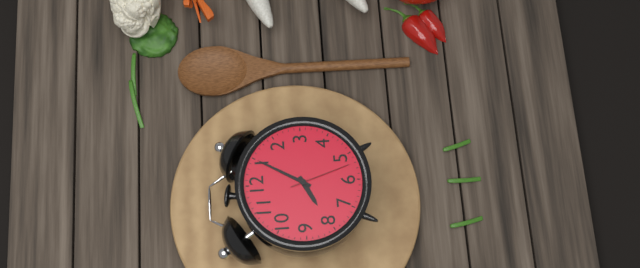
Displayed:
8,05,27
